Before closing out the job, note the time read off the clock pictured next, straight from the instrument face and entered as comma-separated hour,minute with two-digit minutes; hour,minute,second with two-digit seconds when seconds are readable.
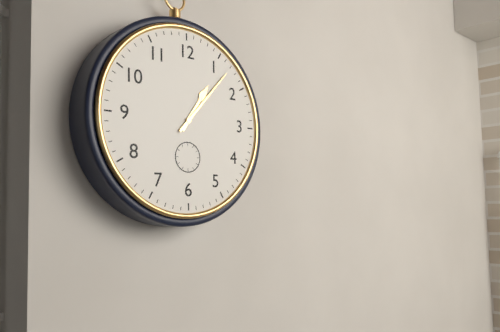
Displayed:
1,07
